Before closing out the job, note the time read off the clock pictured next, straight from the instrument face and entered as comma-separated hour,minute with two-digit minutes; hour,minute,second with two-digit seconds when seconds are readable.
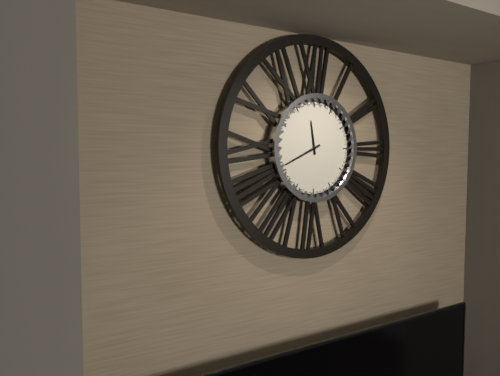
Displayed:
11,41
